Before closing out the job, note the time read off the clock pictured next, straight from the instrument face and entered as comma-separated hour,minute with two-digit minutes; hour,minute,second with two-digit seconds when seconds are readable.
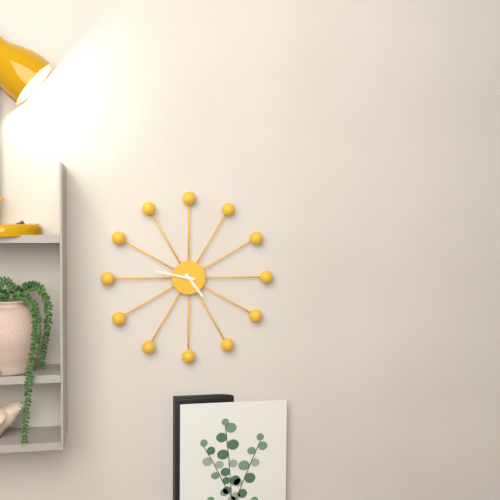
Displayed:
4,47
